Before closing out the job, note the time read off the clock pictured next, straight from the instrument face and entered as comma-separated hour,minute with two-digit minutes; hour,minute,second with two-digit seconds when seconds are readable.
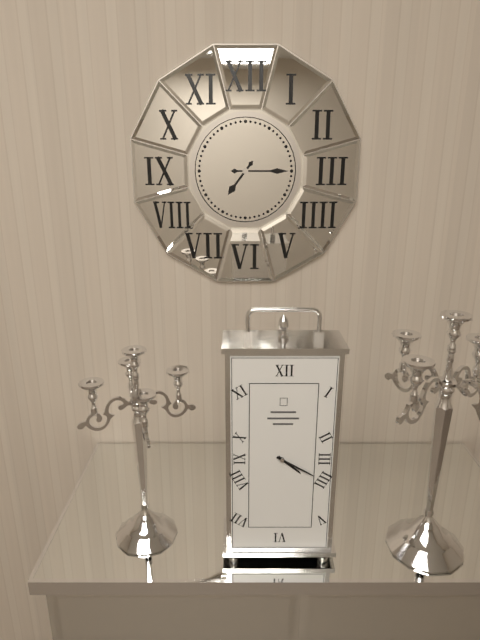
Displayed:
7,15
